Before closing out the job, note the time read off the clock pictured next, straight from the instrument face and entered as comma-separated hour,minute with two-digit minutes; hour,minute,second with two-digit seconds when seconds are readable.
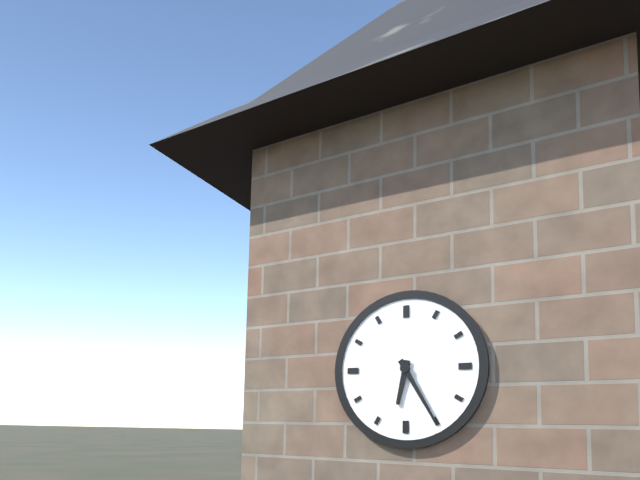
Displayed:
6,25
